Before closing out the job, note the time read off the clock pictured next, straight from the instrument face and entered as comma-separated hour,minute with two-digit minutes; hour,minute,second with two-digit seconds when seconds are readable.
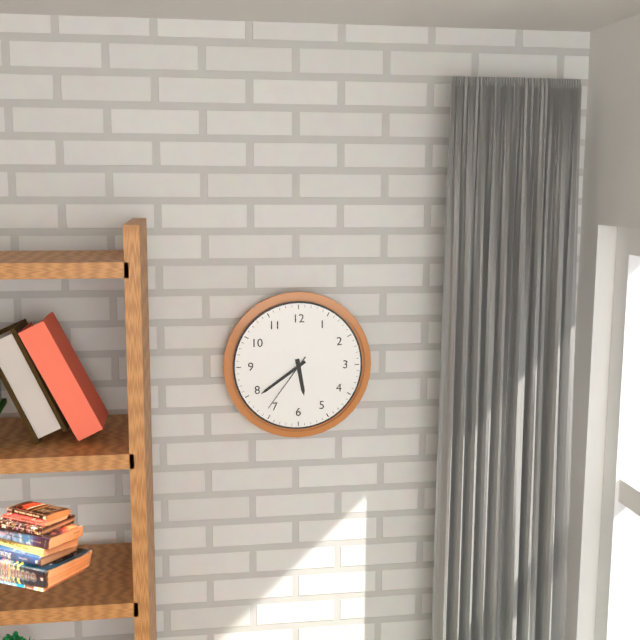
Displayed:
5,39,36
